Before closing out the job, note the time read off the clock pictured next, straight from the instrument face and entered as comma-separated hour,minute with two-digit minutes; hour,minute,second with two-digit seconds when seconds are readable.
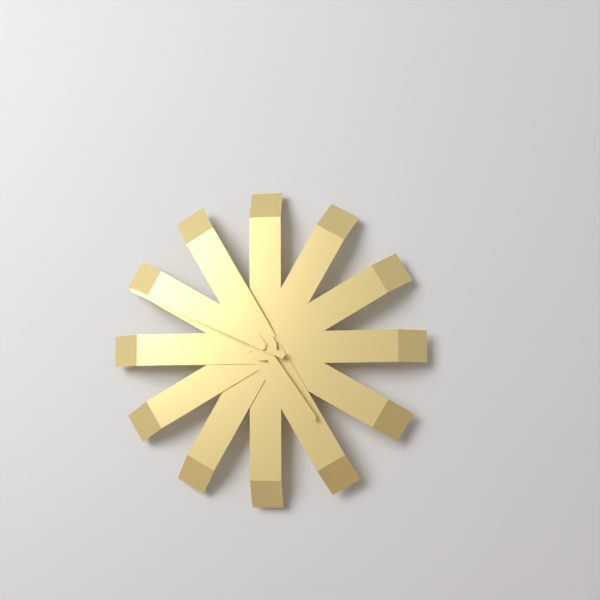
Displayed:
4,49
